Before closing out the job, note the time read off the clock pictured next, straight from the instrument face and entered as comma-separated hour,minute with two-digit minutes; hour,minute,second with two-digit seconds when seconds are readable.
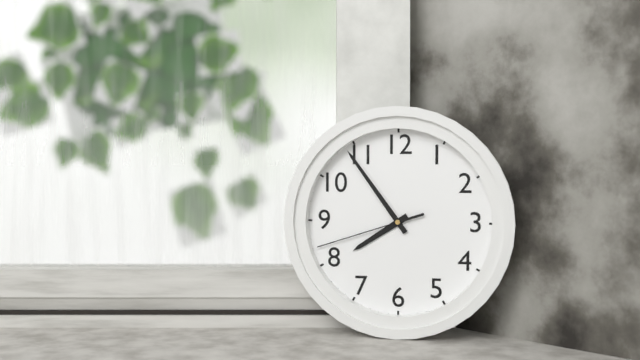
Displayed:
7,54,42
